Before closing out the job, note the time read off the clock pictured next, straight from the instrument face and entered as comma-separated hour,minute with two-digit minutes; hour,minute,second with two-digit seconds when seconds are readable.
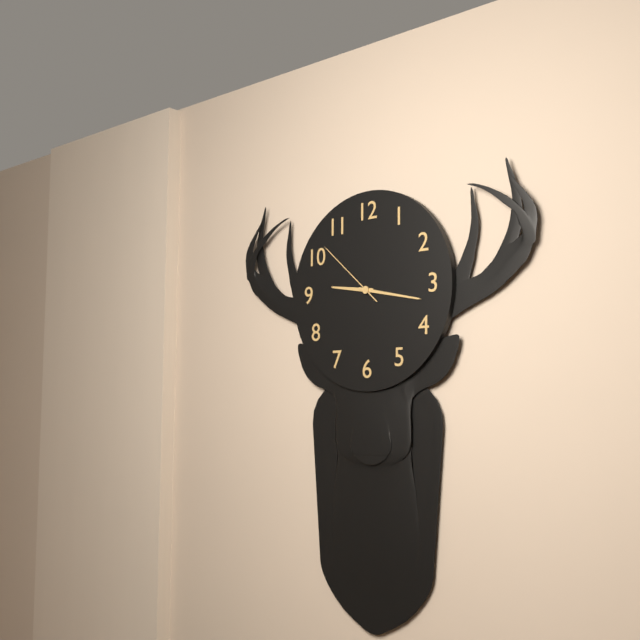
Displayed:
9,17,52
